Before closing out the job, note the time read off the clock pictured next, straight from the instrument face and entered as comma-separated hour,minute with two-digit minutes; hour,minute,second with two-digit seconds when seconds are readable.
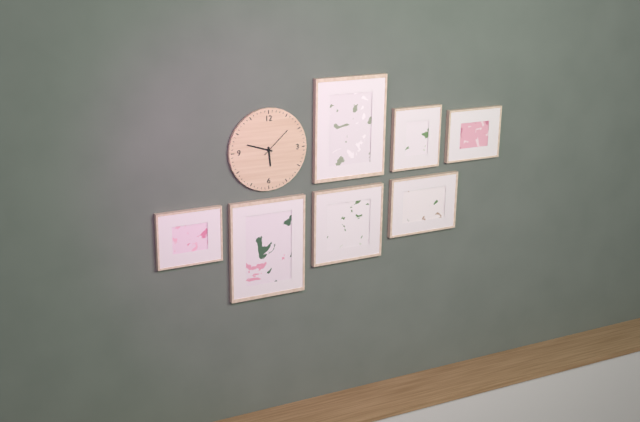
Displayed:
5,48
